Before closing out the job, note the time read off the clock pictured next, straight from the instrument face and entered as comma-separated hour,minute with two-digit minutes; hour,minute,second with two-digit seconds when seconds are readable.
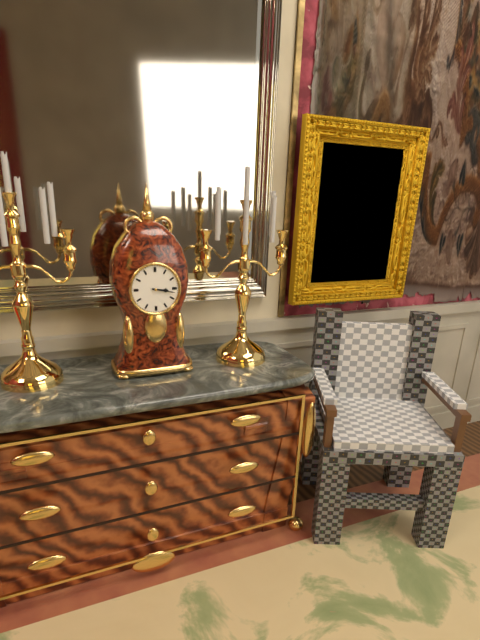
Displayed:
3,17
